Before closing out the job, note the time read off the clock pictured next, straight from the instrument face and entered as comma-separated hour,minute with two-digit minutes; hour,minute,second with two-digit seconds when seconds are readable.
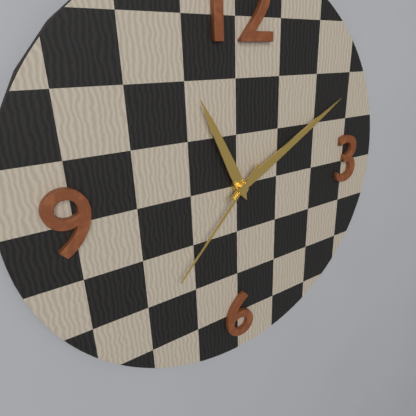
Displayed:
11,10,37
